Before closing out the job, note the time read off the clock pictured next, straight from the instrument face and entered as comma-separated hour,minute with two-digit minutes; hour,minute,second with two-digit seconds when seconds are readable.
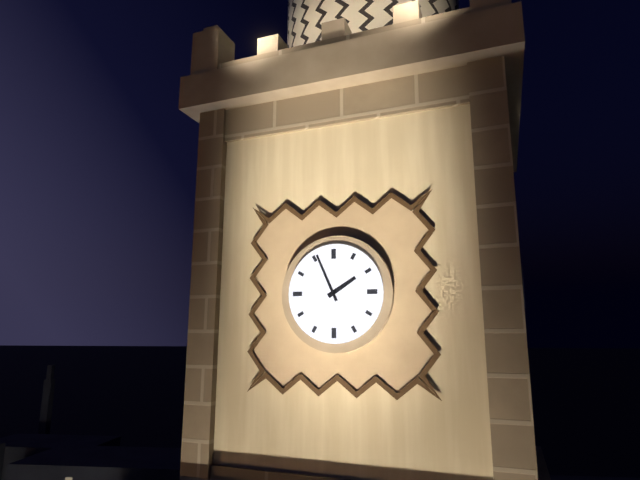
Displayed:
1,56
